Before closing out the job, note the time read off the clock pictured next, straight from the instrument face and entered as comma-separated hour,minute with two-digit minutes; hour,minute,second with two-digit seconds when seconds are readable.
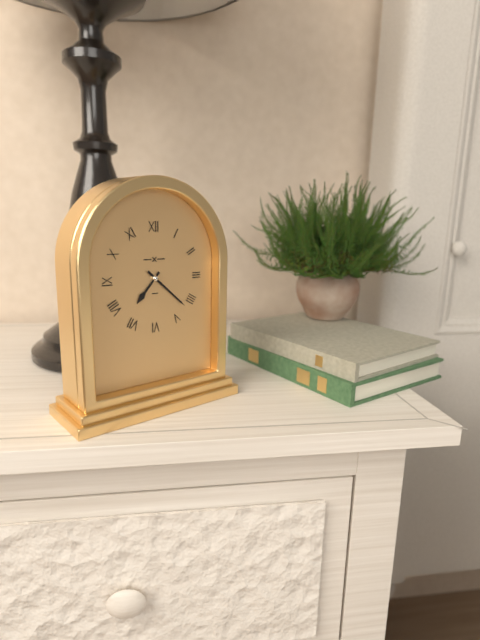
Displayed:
7,22
